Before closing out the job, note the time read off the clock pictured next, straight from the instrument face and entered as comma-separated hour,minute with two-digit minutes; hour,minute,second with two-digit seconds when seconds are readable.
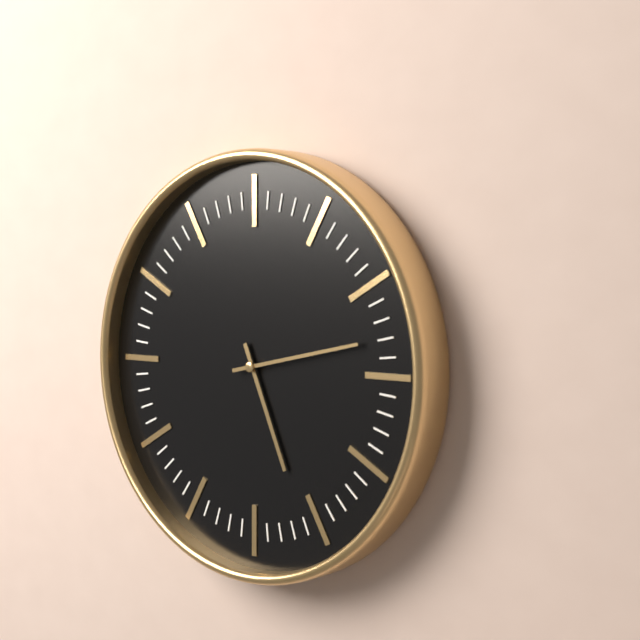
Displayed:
5,13
